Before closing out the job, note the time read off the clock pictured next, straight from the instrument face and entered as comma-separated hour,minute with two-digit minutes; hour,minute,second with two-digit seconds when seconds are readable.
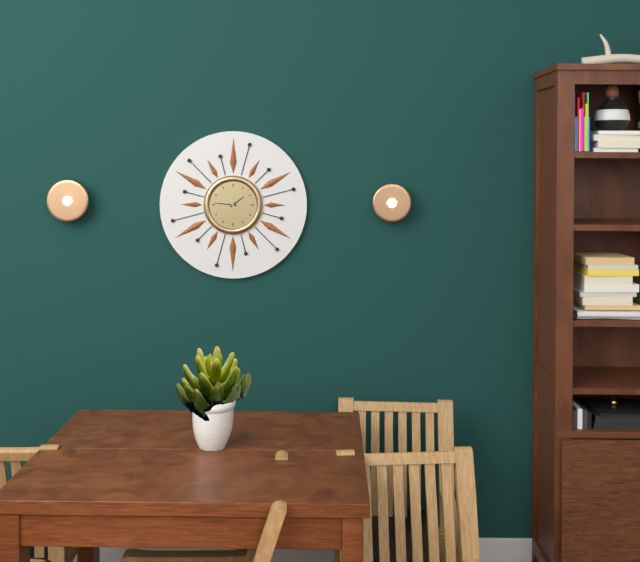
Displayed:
1,46
